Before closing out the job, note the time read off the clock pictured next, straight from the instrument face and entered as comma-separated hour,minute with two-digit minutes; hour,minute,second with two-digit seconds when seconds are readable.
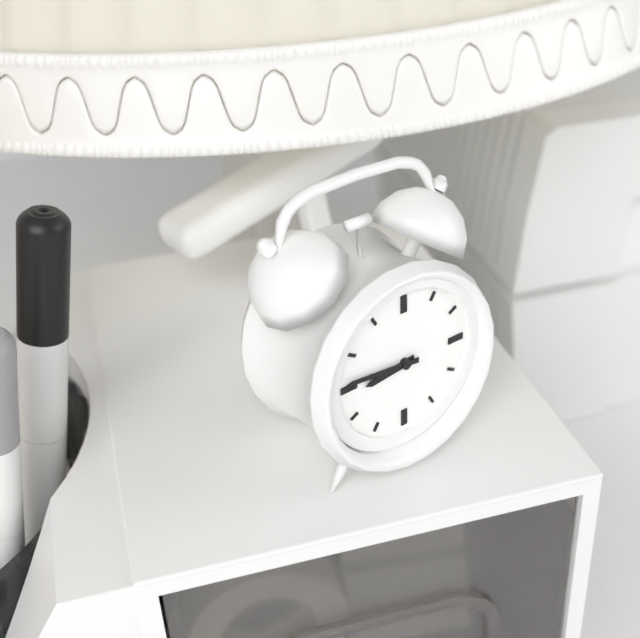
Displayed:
8,46
